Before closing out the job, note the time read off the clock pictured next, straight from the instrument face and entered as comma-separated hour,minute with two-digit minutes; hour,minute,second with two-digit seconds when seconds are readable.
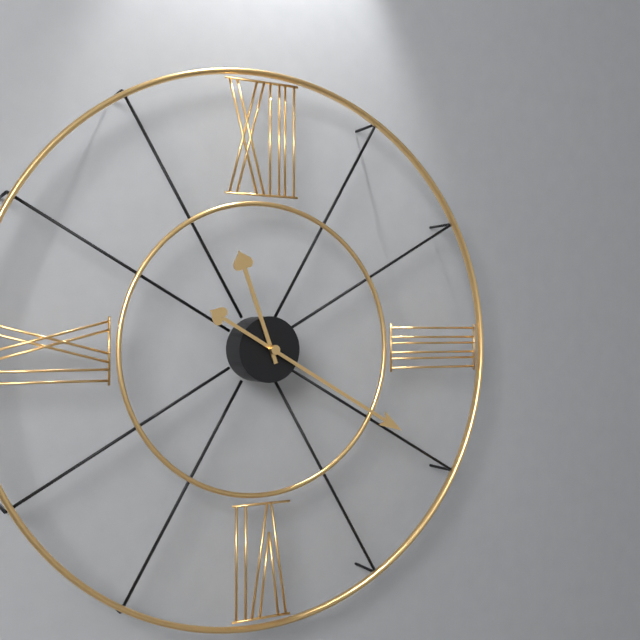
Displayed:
11,20
